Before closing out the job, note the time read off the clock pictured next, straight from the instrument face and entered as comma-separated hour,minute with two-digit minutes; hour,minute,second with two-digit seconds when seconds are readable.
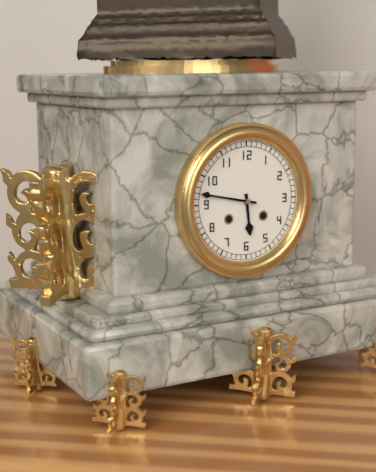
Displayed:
5,47
